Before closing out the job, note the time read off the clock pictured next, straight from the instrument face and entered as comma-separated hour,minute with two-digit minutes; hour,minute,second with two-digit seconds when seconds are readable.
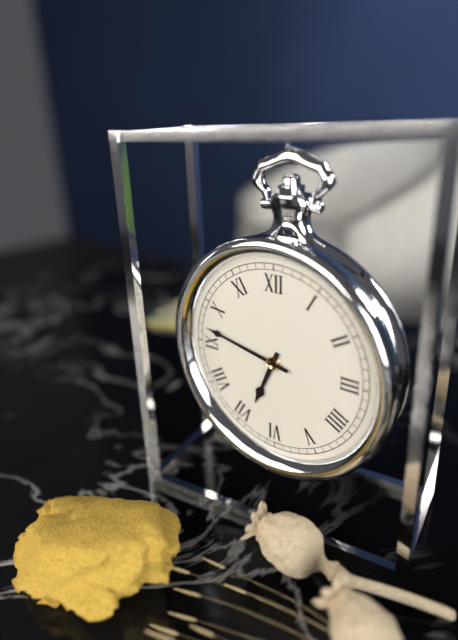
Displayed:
6,47
